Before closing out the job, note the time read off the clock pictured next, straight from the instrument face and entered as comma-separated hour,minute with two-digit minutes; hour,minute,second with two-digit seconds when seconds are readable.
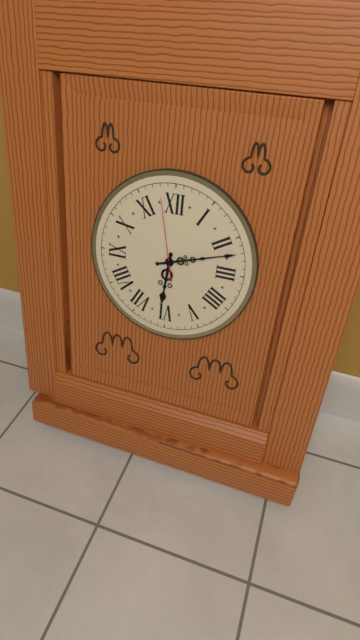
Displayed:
6,12,58
